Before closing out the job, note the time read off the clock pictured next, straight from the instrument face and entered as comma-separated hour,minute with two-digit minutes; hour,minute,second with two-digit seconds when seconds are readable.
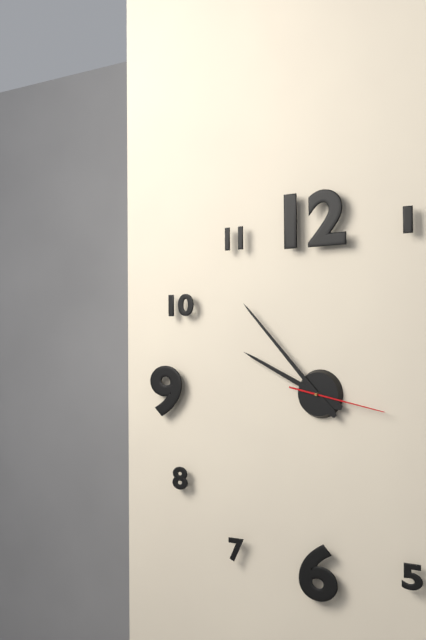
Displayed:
9,53,17
